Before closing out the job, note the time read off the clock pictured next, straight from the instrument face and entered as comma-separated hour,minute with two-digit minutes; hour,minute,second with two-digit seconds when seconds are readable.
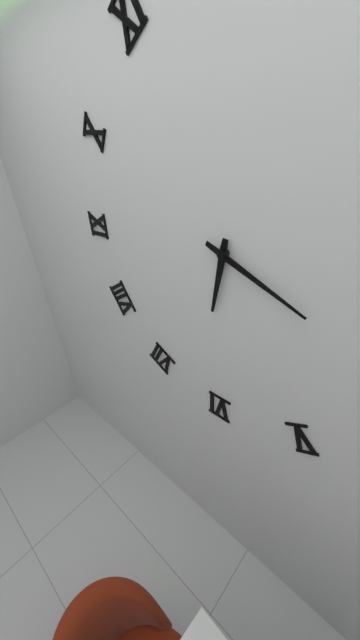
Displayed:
6,19
